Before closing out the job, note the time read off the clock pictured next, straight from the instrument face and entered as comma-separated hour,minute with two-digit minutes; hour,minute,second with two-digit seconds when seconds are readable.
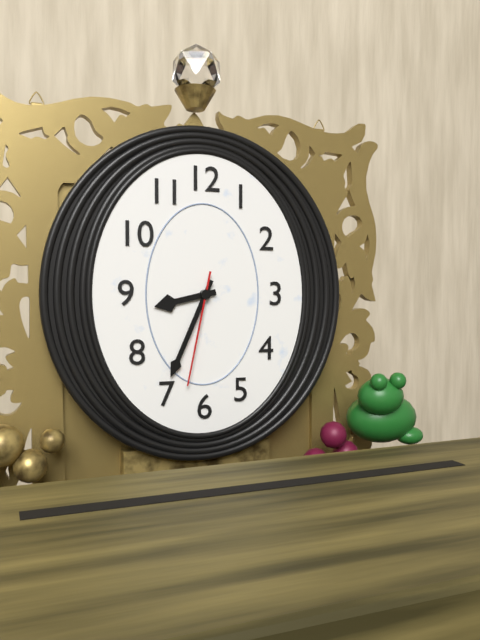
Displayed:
8,34,32
